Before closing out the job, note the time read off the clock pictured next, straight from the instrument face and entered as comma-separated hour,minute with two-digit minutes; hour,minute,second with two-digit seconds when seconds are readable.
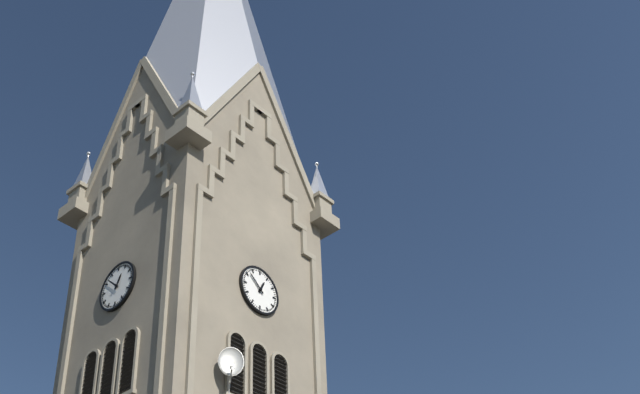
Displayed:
12,52
